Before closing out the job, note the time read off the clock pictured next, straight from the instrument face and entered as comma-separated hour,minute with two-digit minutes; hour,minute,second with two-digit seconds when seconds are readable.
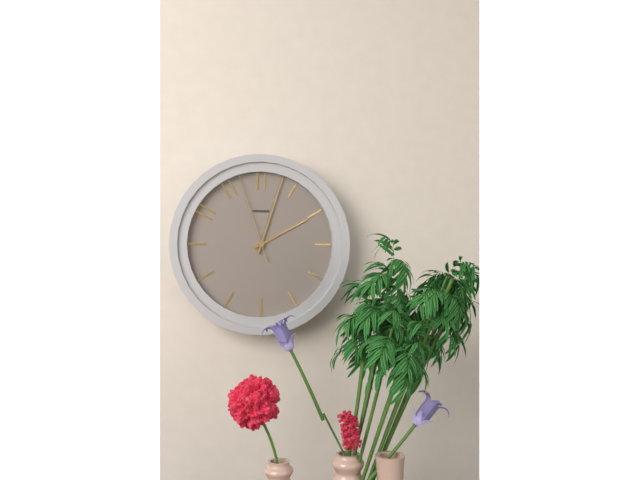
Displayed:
2,03,57
